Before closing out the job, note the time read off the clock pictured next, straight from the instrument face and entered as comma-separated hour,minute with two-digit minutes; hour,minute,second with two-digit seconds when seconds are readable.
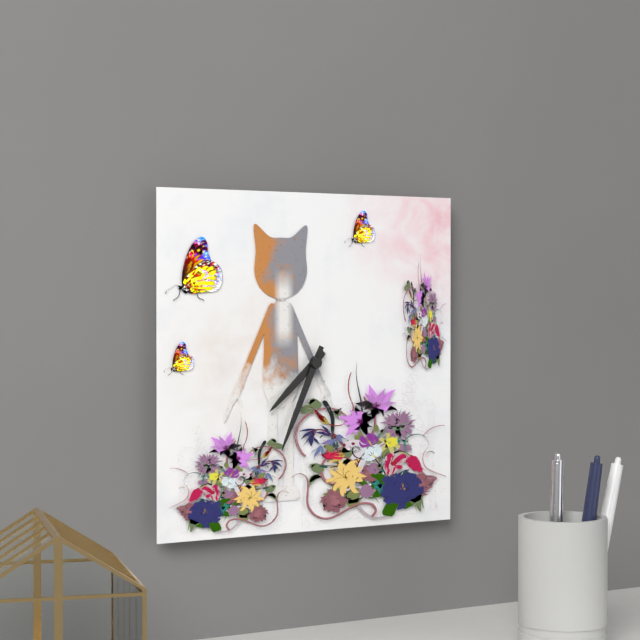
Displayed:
7,34
